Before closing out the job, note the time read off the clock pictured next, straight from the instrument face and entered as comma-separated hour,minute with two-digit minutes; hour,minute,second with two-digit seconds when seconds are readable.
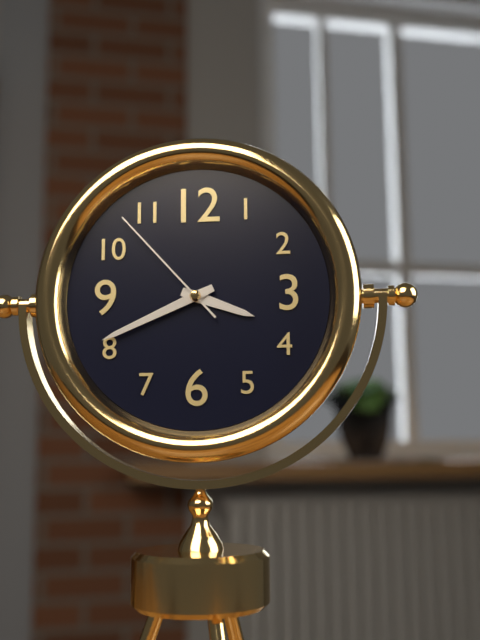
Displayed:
3,41,53
